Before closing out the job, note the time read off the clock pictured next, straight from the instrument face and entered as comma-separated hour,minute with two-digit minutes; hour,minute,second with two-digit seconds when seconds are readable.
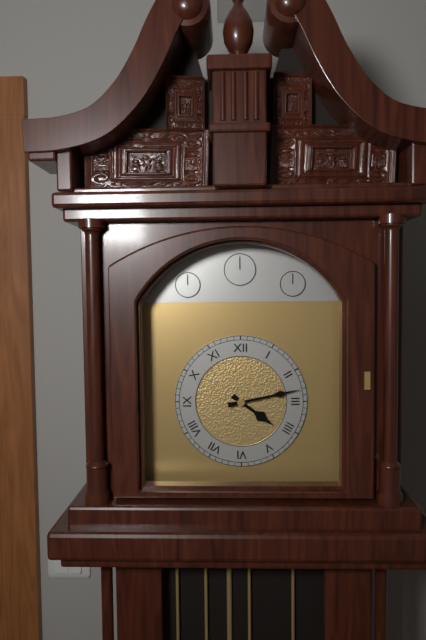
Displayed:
4,13
